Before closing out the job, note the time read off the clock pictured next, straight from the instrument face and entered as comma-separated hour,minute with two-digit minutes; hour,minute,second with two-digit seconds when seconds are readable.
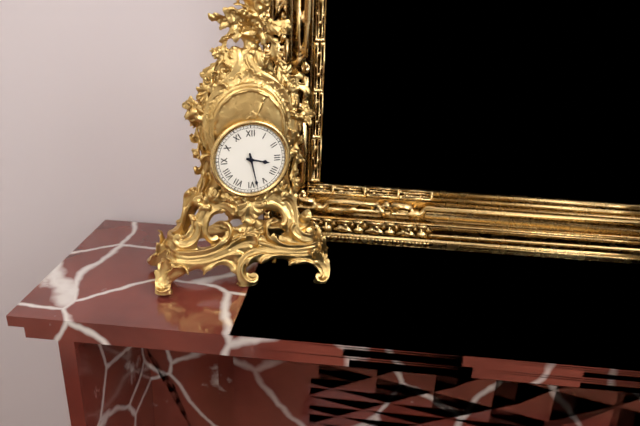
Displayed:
3,28
